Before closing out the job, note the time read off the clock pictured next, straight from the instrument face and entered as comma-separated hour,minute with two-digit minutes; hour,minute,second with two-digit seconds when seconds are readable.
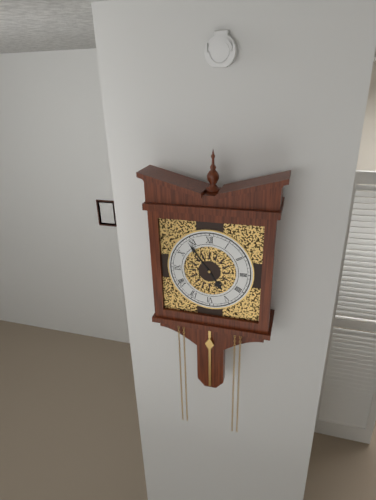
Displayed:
4,54
